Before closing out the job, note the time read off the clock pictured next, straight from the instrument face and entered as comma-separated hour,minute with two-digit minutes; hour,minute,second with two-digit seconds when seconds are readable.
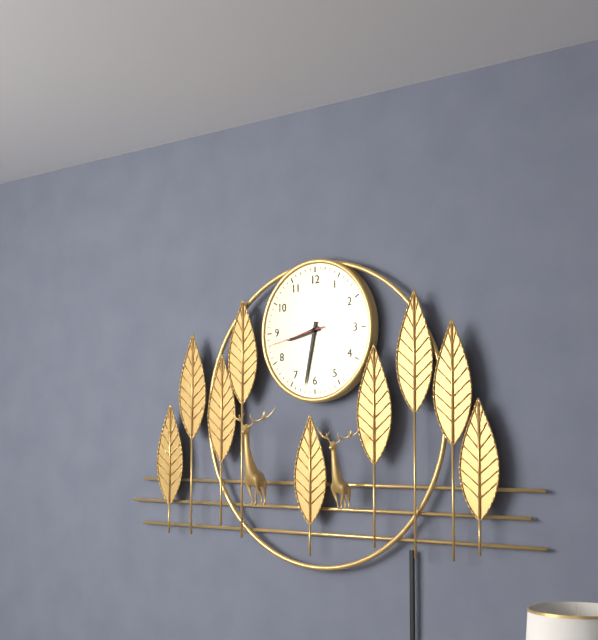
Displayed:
8,32,43
